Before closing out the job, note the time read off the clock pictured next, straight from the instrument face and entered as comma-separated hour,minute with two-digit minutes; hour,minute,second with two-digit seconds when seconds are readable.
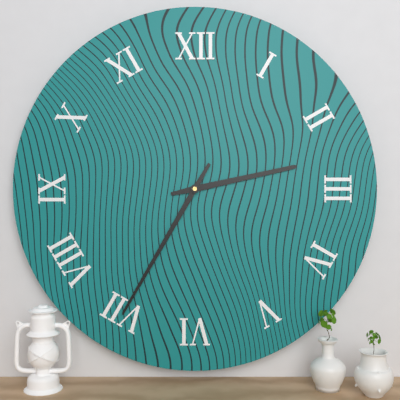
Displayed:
2,35
